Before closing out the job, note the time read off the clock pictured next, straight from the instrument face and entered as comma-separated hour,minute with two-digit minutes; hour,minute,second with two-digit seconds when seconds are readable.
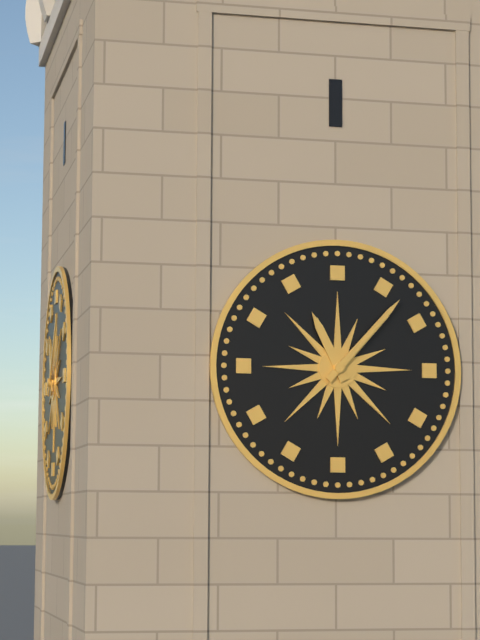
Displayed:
11,07
